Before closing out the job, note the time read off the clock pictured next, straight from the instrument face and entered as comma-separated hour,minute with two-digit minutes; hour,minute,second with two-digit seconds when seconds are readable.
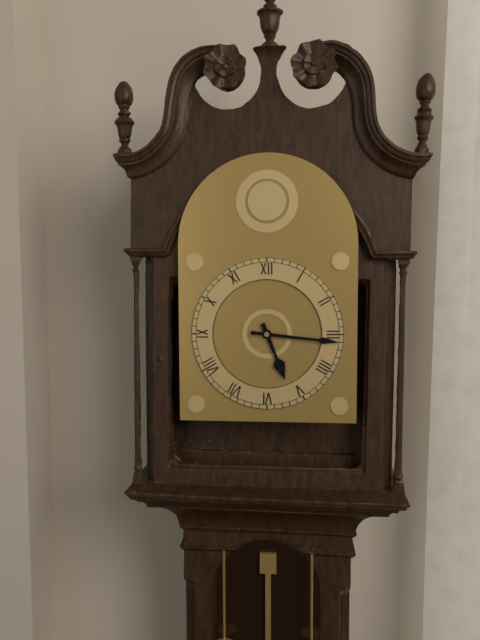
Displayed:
5,16
